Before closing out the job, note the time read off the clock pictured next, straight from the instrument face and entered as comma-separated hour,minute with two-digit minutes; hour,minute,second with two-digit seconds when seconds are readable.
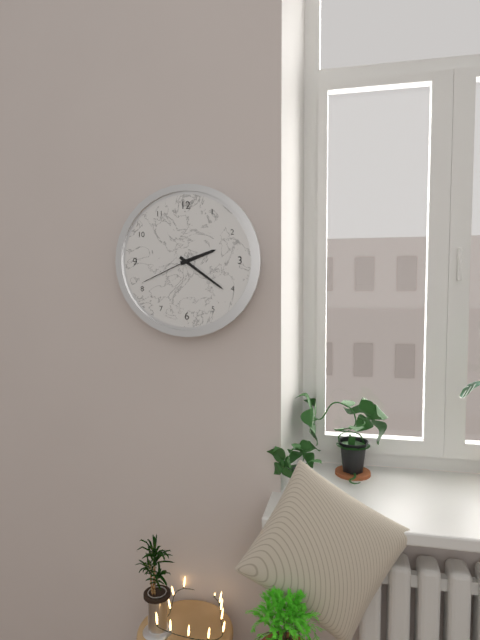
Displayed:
2,21,41
